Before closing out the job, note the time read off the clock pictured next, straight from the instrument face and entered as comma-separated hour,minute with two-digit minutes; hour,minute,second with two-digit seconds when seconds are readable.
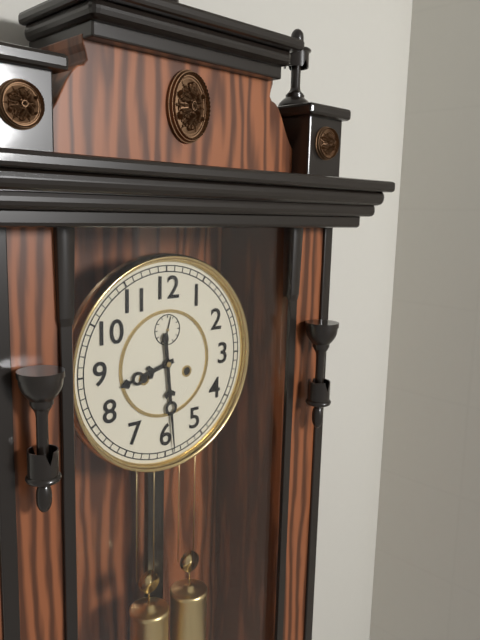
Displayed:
8,29
